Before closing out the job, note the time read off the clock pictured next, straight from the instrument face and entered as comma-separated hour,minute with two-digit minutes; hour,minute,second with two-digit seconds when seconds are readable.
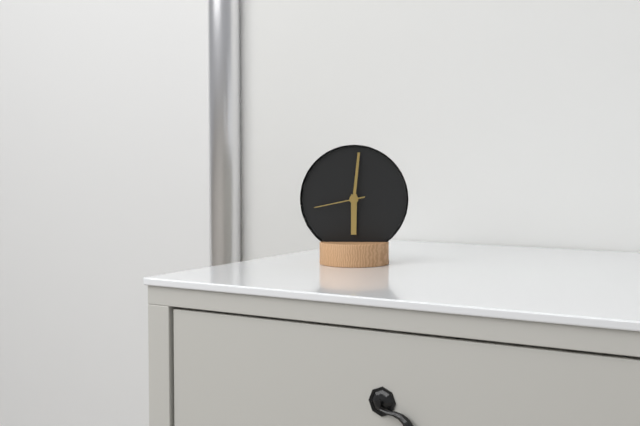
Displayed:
6,01,43
